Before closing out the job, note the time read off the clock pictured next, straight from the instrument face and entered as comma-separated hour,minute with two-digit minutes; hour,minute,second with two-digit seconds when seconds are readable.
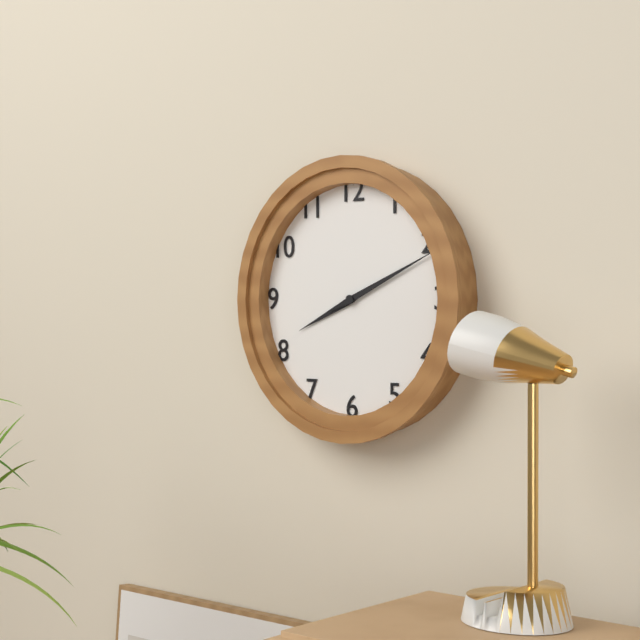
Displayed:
8,11
